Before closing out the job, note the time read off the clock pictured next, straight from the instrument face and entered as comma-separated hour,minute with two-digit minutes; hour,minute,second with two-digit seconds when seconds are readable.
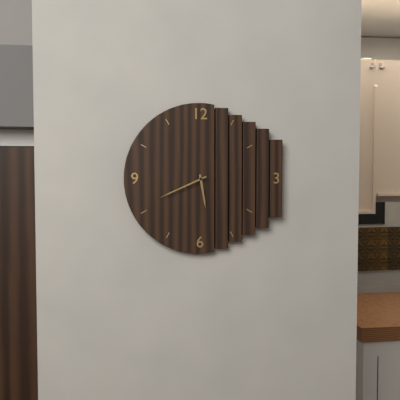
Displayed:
5,41
